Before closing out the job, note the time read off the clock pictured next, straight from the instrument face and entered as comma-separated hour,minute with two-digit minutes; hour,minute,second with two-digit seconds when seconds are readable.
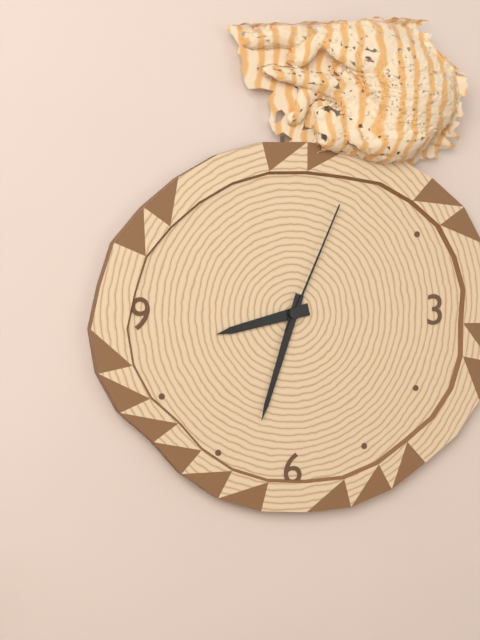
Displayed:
8,33,04
